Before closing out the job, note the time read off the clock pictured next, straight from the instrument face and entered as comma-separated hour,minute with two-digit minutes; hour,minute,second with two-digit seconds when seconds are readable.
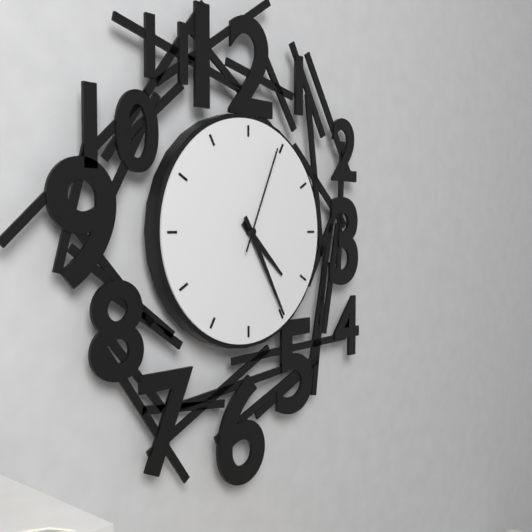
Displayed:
4,25,04
